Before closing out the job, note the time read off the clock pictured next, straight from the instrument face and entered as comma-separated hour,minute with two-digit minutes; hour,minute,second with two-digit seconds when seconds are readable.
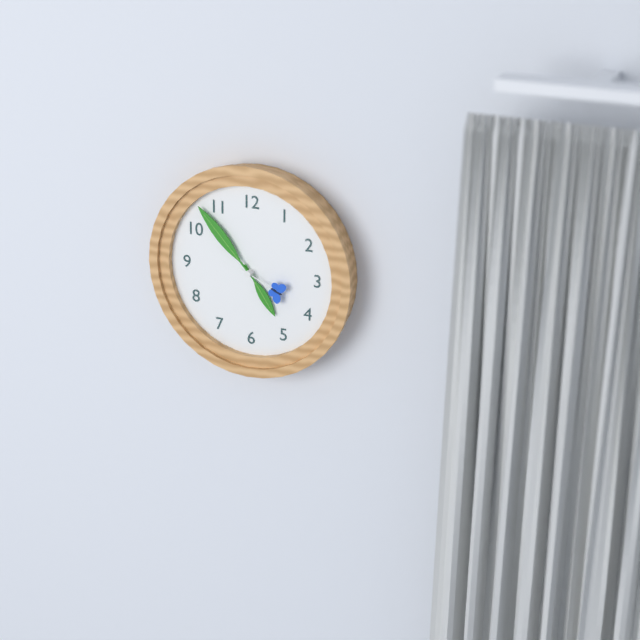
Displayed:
4,53
